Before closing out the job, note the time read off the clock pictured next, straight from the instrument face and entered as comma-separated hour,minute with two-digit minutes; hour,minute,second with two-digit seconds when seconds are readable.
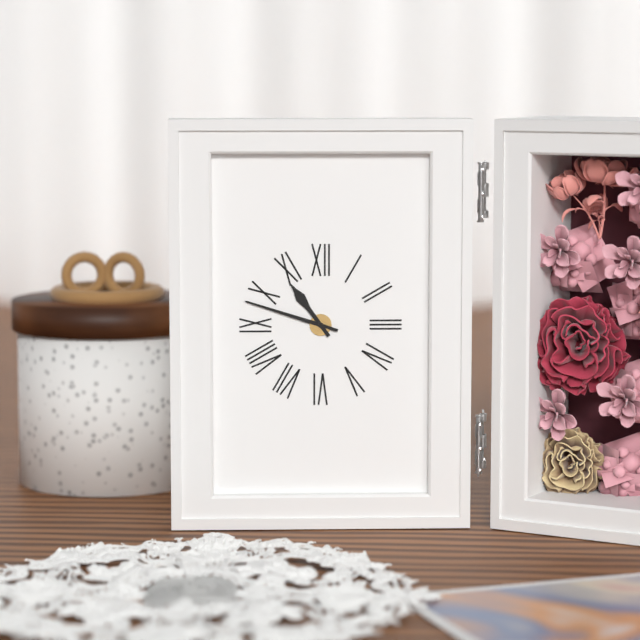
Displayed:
10,48
